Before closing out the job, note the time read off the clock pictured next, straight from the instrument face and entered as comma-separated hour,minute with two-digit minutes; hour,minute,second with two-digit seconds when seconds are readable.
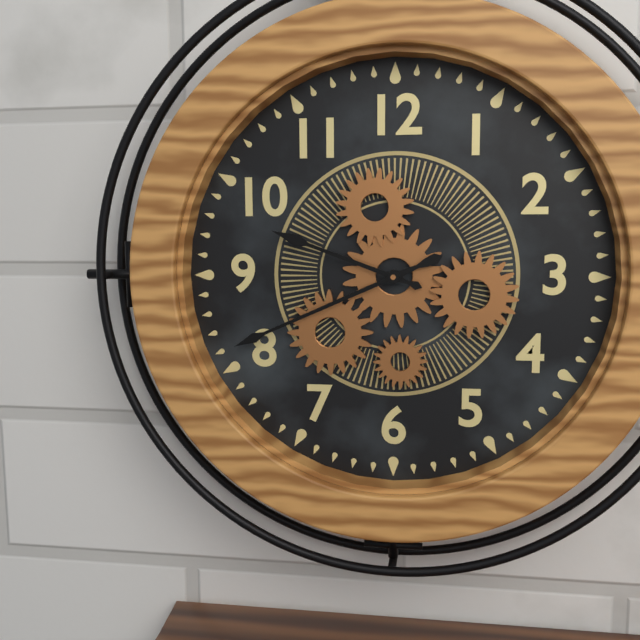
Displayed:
9,41
